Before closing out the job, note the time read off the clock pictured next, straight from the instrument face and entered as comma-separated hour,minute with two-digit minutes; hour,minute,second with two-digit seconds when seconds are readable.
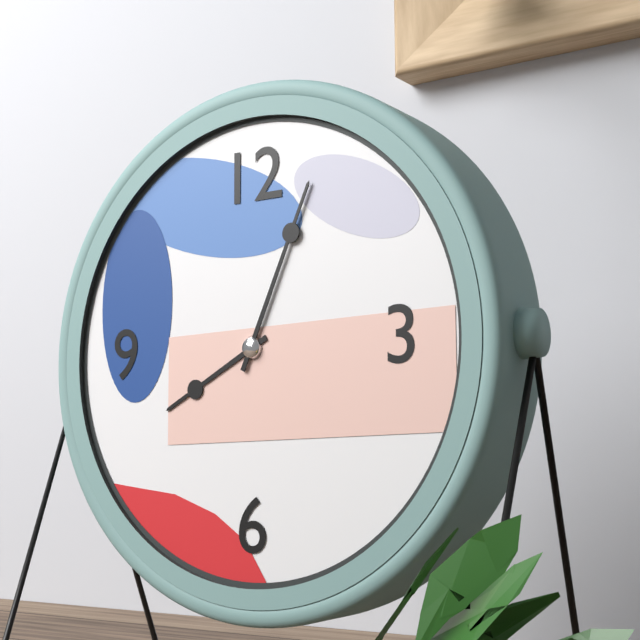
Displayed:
8,04
